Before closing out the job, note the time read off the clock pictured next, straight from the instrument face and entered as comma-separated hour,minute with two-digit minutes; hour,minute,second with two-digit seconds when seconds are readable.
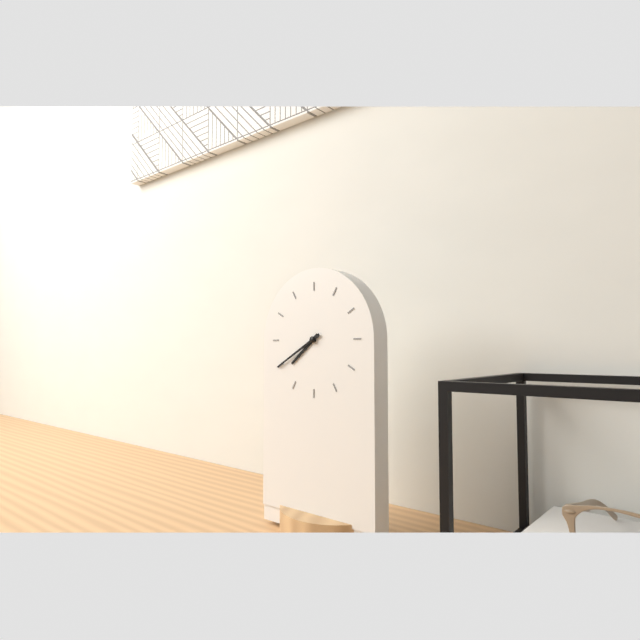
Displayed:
7,40
